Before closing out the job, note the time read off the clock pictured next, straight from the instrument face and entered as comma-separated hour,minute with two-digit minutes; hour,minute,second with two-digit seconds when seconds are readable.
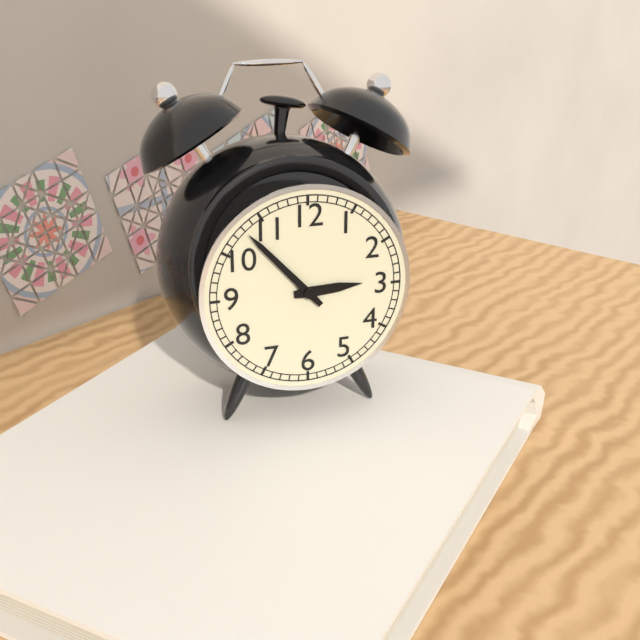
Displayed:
2,53
